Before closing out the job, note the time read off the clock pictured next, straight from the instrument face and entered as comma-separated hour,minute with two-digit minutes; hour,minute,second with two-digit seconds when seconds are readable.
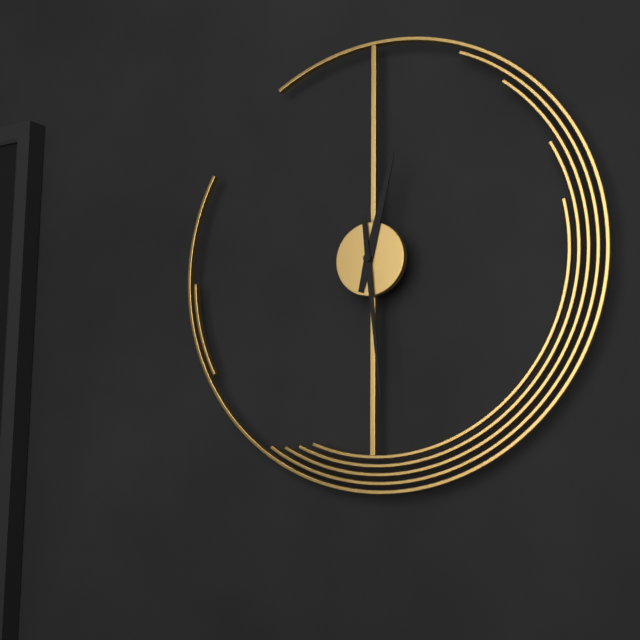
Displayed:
12,29
